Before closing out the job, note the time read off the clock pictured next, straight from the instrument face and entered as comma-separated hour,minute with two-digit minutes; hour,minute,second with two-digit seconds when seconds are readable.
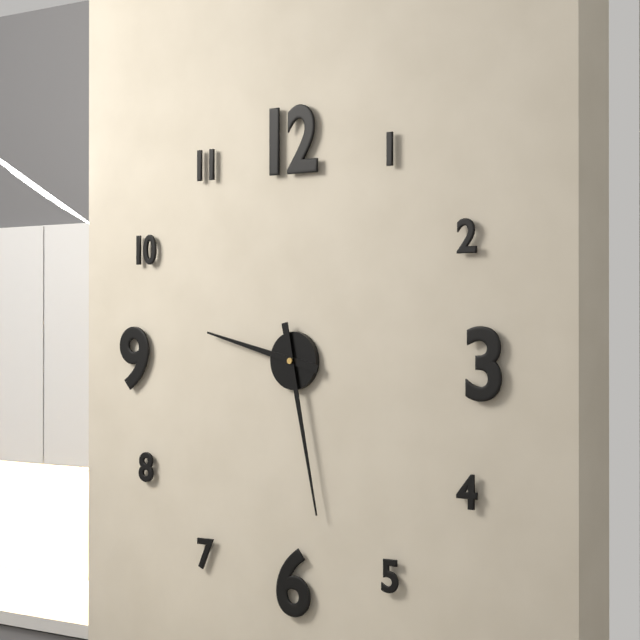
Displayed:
9,28
